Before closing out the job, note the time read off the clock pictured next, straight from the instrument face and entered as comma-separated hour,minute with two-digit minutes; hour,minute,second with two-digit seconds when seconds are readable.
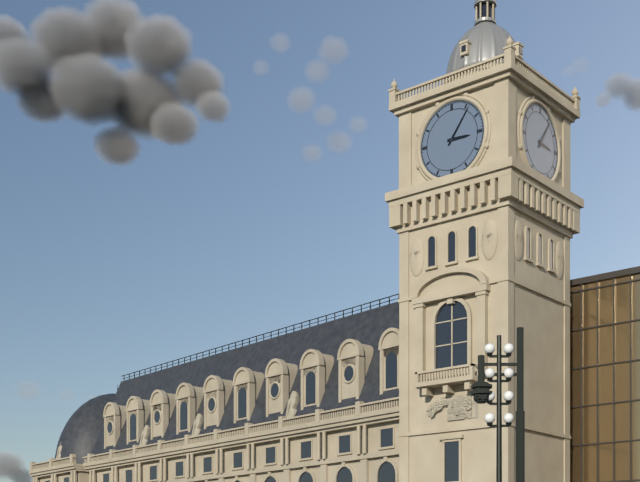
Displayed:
3,06
